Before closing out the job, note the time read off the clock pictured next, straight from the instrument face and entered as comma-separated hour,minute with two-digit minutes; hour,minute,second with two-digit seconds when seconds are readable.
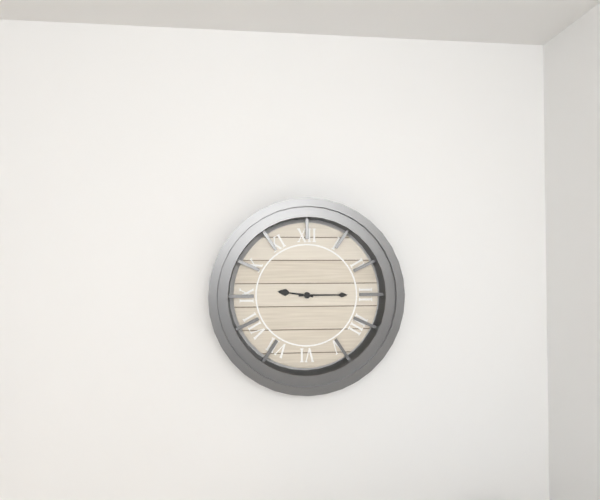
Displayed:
9,15
